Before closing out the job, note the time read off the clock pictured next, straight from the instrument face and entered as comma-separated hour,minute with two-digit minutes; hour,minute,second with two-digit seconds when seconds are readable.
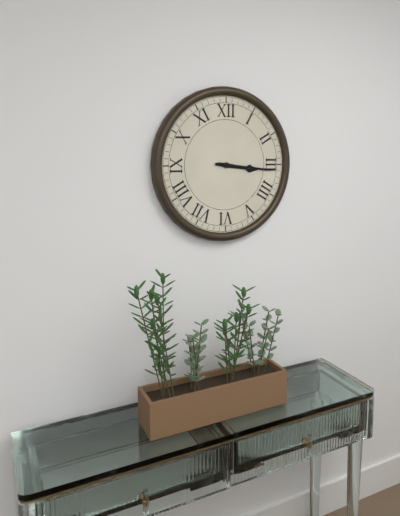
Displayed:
3,16
